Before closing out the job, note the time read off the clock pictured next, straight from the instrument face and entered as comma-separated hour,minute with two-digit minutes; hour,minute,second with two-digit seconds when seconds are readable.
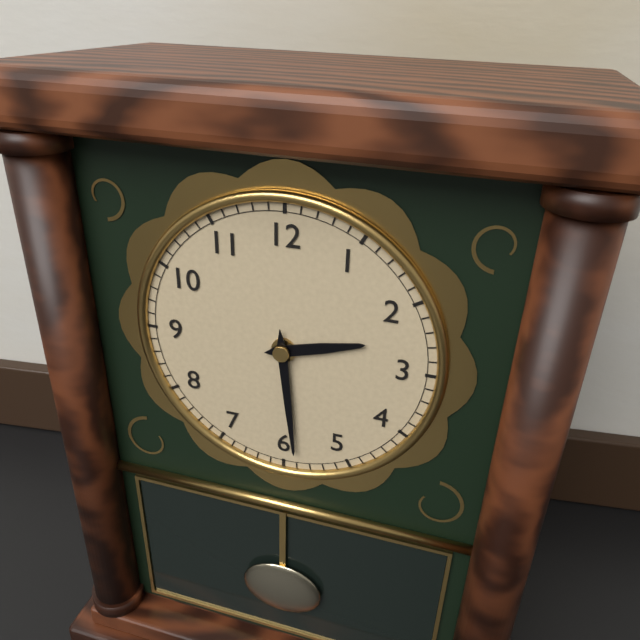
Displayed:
2,29
